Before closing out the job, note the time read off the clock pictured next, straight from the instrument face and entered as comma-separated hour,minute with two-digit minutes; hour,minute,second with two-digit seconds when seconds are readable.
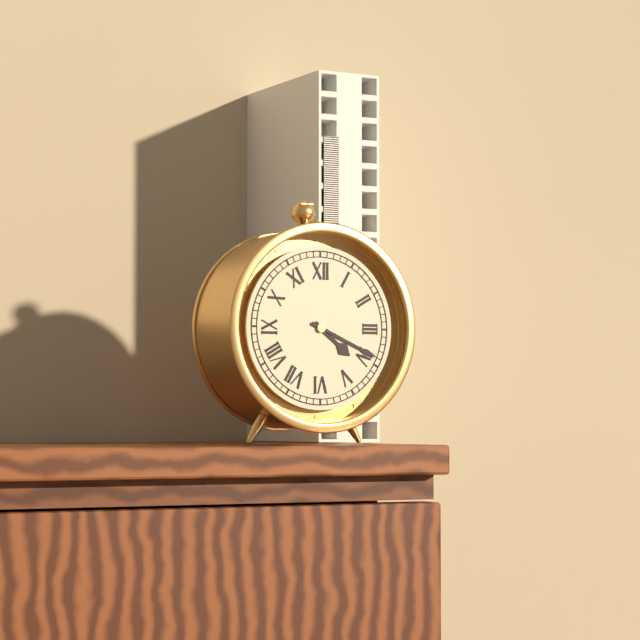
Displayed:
4,19
